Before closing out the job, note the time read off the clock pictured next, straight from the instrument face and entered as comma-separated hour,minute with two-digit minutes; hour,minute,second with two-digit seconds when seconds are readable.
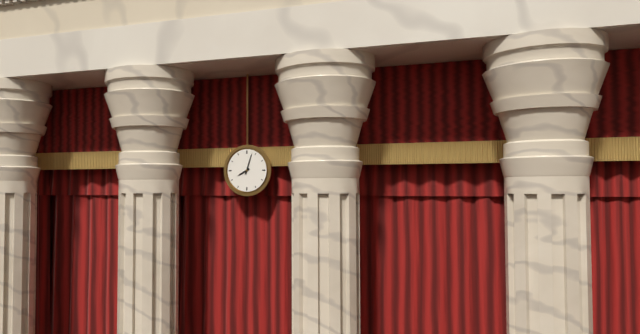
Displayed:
8,03
